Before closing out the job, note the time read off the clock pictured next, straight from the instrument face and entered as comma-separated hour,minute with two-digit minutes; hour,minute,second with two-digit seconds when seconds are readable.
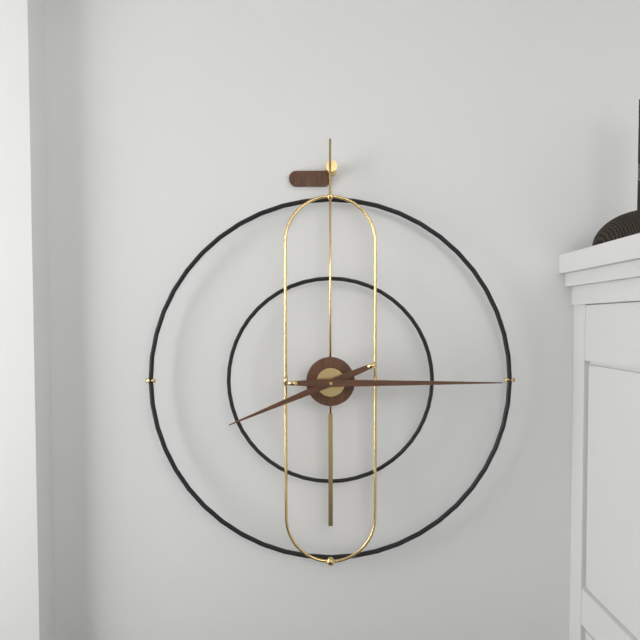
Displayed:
8,15
